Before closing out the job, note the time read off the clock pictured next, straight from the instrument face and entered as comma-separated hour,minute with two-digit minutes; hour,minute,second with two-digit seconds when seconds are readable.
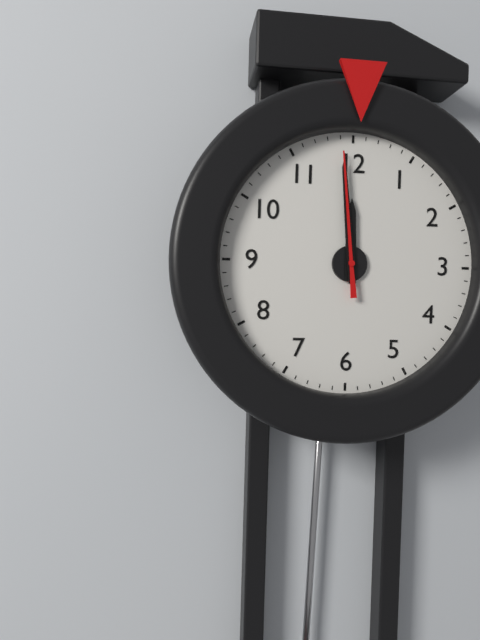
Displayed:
11,59,59
